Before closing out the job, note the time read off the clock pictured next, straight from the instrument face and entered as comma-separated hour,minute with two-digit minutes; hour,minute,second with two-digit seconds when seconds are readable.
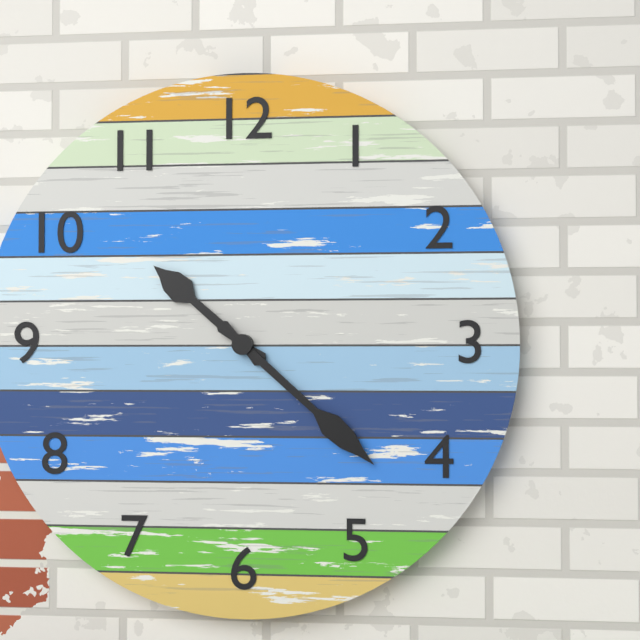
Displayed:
10,22
